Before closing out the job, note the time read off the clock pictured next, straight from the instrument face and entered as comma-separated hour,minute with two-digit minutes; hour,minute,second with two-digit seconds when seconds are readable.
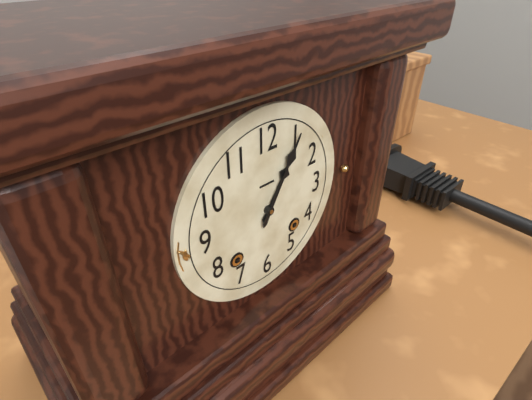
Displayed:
1,05
